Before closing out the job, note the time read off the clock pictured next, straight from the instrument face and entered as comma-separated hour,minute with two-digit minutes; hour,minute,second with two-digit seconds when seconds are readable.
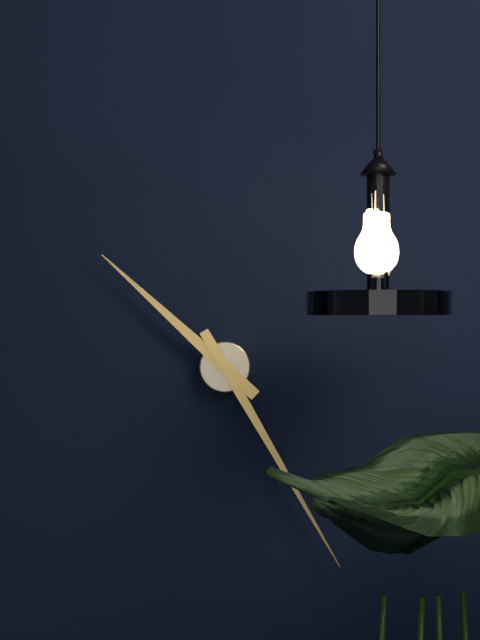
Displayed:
10,25
